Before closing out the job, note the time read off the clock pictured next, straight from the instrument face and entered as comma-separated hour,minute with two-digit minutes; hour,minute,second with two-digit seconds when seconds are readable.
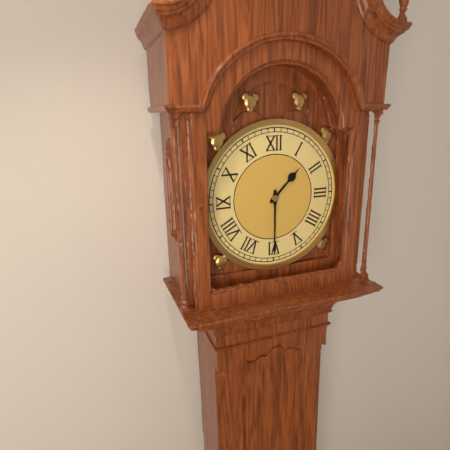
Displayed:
1,30
